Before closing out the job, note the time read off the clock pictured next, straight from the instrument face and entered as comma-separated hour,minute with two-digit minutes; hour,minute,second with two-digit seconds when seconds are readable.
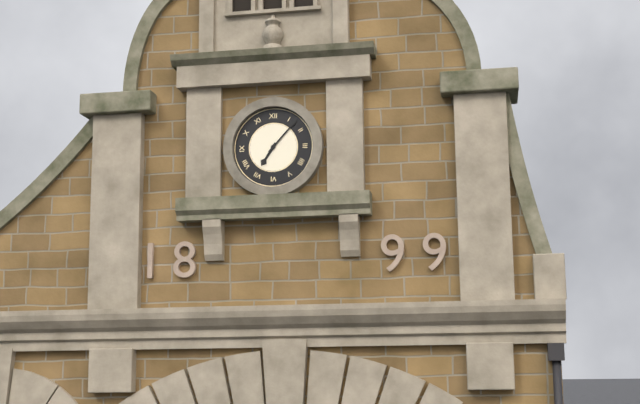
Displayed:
7,07
